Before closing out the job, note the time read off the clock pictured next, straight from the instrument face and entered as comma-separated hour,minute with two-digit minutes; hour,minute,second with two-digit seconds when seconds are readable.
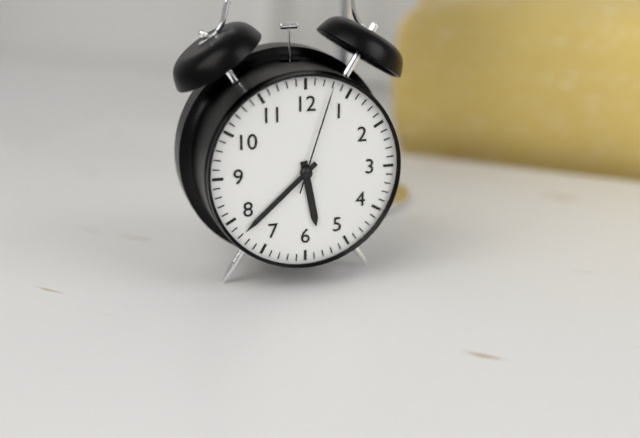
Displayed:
5,38,03
